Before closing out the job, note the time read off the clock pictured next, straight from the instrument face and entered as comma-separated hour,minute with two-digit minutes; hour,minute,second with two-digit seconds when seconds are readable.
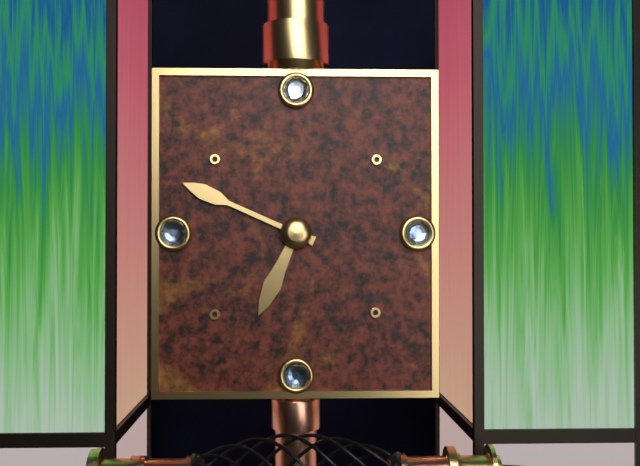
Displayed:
6,49
